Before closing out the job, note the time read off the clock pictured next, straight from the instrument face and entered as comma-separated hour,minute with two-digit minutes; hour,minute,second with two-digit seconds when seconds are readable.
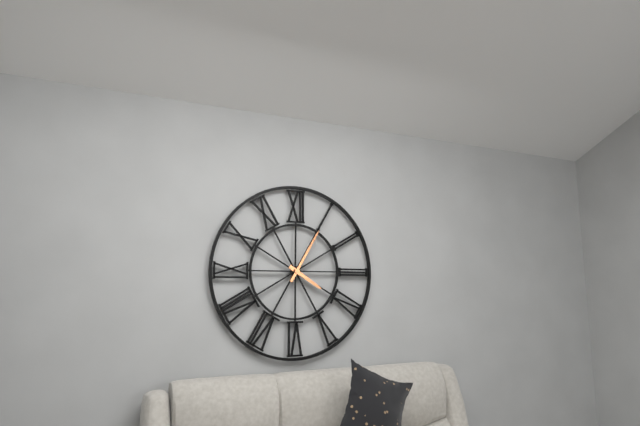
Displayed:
4,05
